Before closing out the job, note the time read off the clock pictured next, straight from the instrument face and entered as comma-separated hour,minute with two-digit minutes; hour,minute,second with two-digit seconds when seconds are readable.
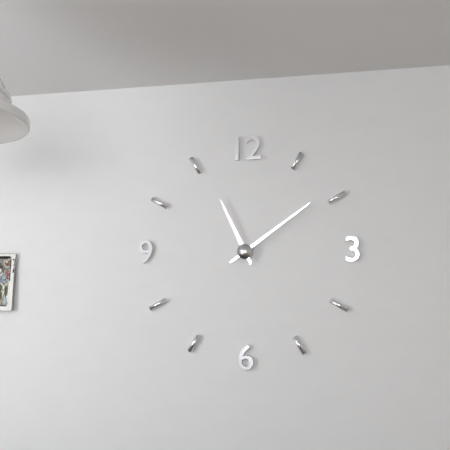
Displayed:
11,09
